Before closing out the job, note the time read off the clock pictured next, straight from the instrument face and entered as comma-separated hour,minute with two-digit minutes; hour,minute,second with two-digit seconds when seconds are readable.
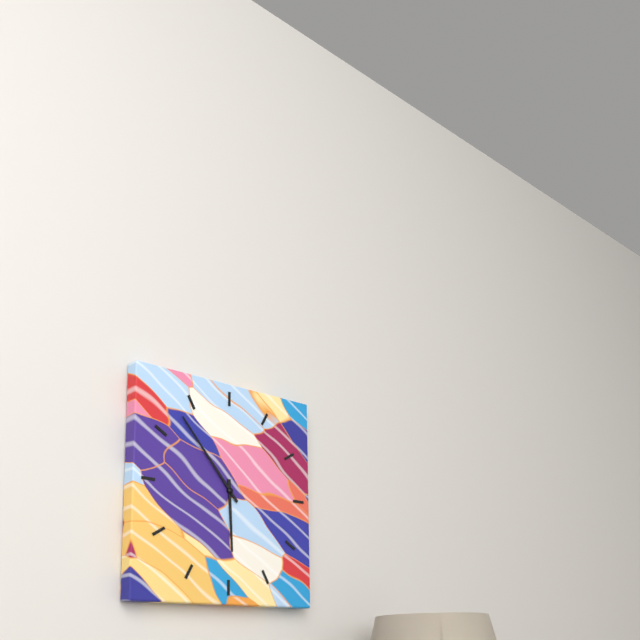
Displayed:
5,53
